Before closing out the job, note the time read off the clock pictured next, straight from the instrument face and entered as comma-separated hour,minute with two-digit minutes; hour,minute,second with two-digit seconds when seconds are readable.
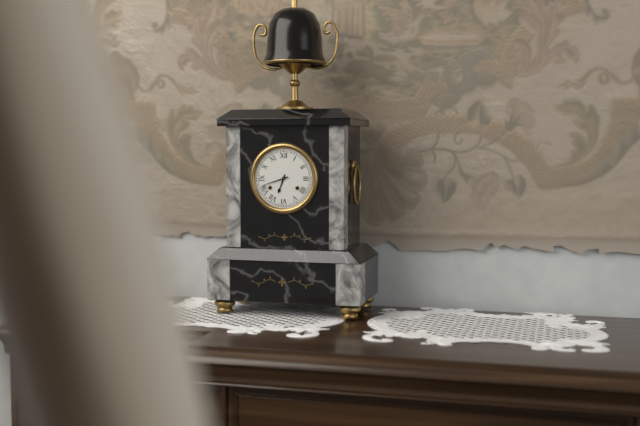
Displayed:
6,42
